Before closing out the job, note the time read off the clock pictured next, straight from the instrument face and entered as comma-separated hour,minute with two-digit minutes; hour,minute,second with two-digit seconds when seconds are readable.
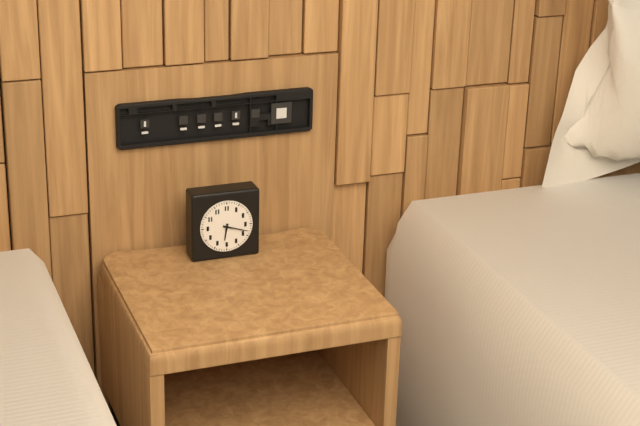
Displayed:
6,18
